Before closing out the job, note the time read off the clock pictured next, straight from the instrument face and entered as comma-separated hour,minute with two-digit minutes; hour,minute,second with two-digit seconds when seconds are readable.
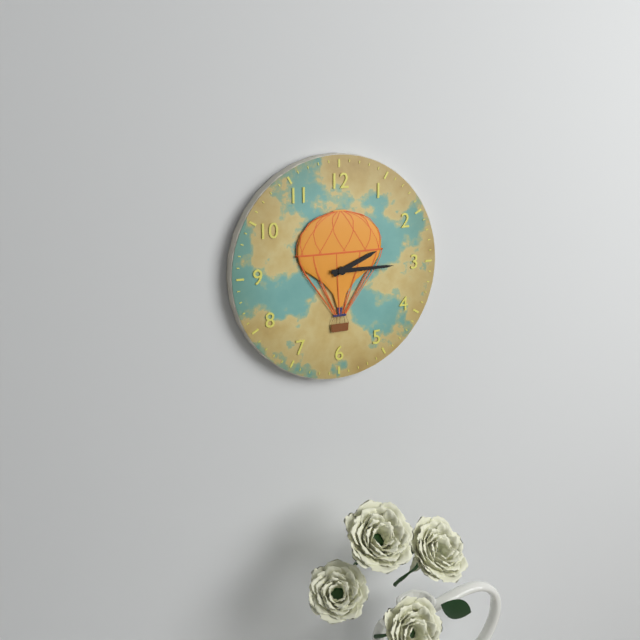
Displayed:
2,15
